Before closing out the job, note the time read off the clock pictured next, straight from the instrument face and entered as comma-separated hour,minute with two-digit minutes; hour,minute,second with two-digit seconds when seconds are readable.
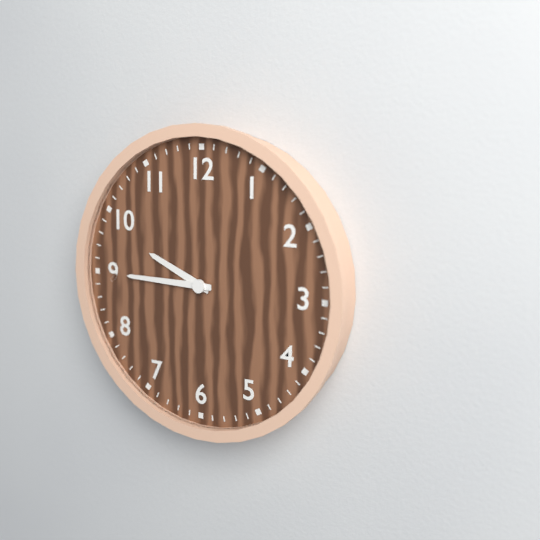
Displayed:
9,45
